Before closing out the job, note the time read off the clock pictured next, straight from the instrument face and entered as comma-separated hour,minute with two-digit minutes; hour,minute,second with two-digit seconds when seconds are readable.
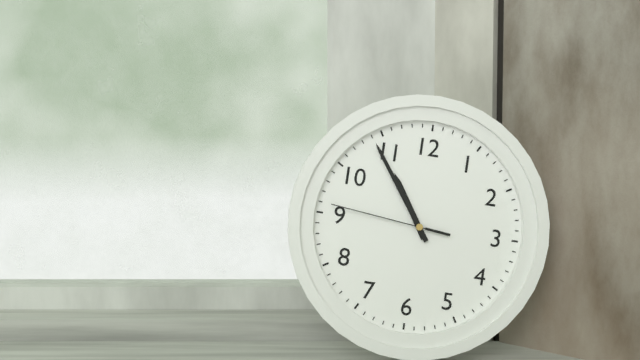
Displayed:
10,54,46
